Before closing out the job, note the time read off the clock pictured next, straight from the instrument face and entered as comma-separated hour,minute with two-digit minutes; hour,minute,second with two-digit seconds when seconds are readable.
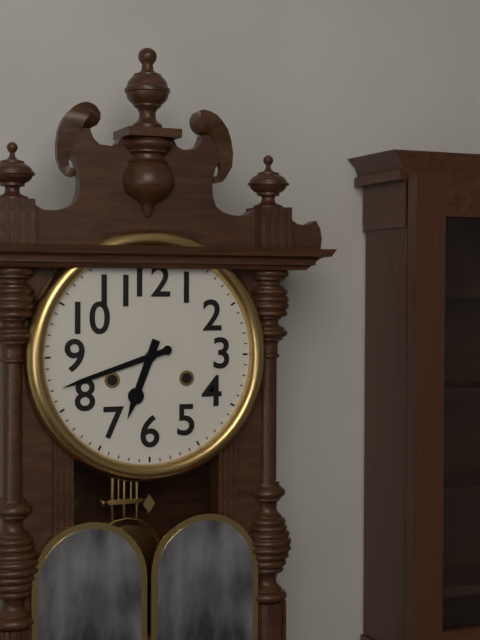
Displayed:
6,42
